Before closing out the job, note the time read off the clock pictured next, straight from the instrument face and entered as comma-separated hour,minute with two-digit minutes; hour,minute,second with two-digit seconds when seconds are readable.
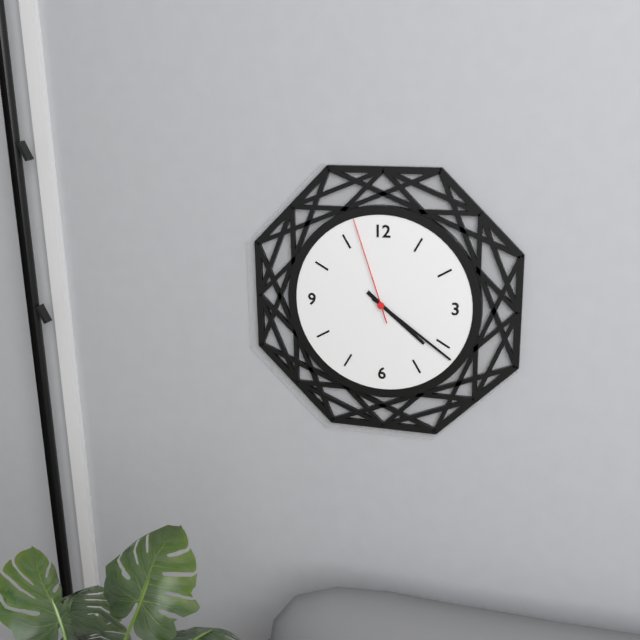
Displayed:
4,21,57
